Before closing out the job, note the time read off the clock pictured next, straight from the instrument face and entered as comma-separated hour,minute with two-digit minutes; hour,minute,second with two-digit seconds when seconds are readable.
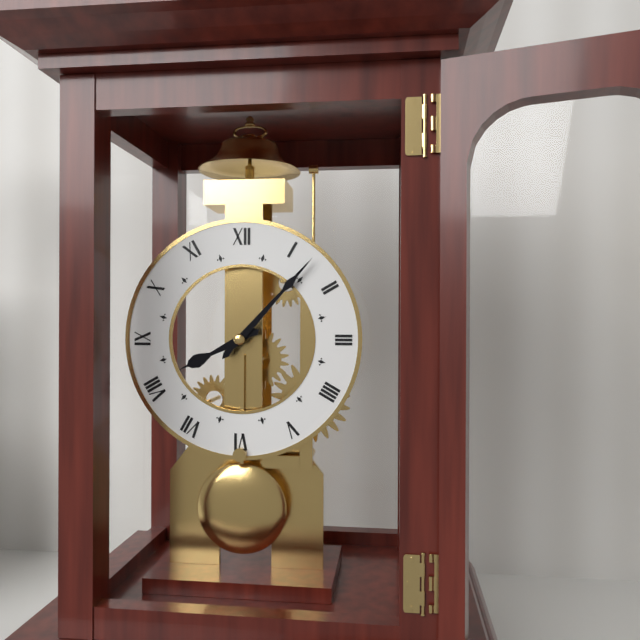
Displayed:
8,07
